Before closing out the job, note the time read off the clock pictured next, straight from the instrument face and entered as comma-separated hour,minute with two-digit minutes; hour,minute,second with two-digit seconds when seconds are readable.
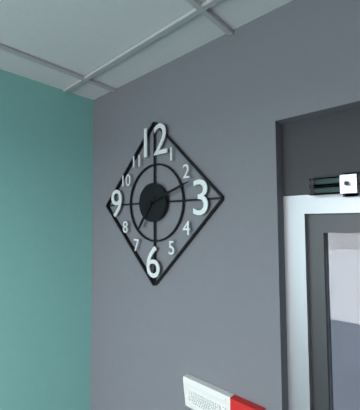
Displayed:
7,12
